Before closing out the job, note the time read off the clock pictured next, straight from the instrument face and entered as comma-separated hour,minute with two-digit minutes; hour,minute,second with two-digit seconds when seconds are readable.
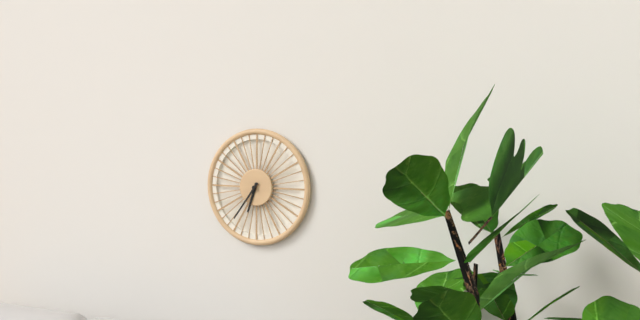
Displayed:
6,36
